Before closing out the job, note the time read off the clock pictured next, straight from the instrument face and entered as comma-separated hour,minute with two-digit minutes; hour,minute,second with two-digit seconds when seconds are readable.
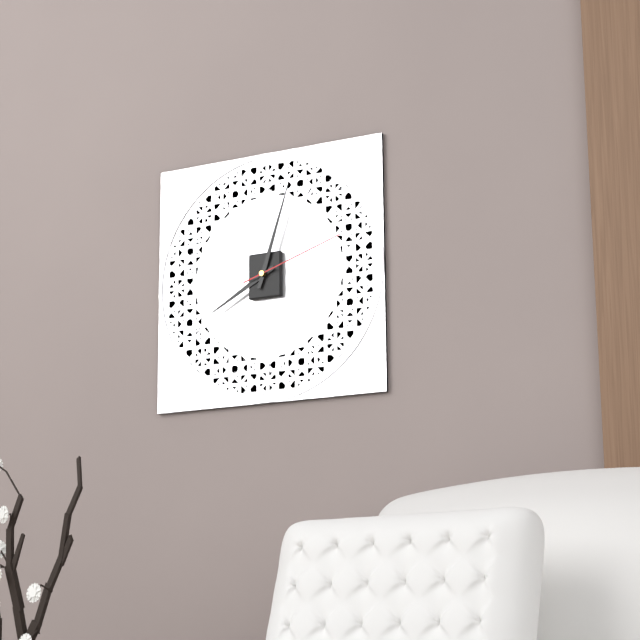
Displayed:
8,03,12
